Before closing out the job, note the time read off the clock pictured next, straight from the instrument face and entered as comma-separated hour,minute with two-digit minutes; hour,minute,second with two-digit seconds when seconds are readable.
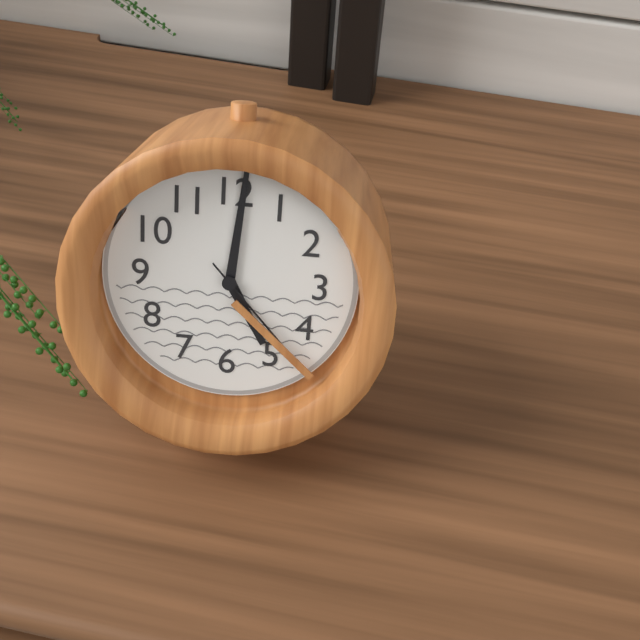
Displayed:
5,01,23
